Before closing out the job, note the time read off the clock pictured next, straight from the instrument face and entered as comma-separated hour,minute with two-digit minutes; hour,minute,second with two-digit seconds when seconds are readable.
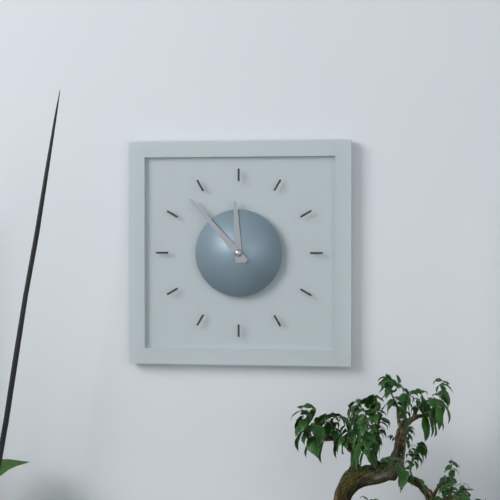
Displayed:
11,53
